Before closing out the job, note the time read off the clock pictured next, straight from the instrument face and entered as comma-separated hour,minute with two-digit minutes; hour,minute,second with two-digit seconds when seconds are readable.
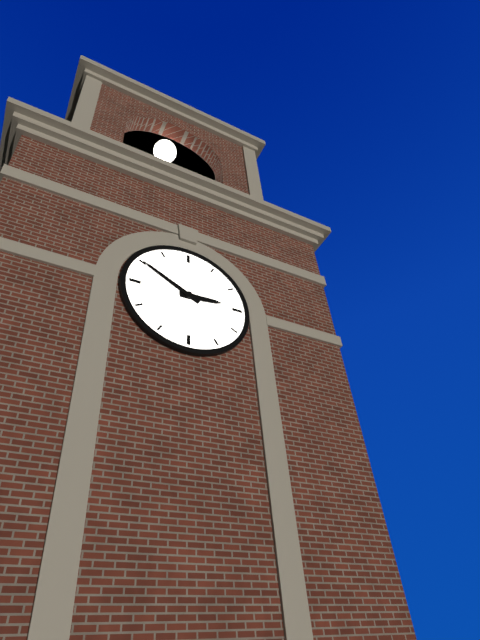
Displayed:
2,50
